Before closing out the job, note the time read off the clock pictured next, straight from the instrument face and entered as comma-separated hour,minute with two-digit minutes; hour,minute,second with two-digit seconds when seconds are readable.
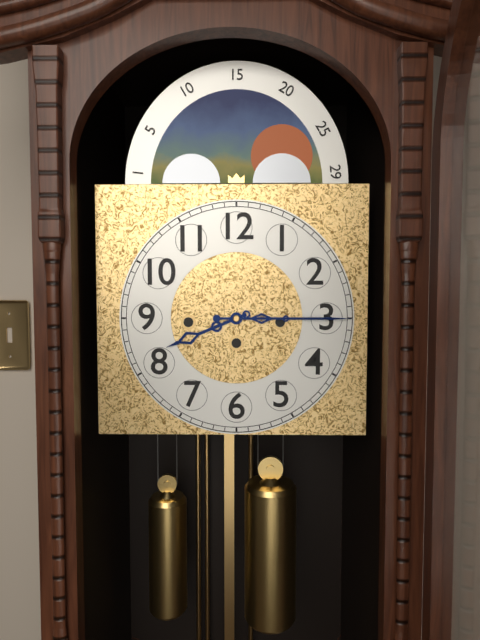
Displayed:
8,15
